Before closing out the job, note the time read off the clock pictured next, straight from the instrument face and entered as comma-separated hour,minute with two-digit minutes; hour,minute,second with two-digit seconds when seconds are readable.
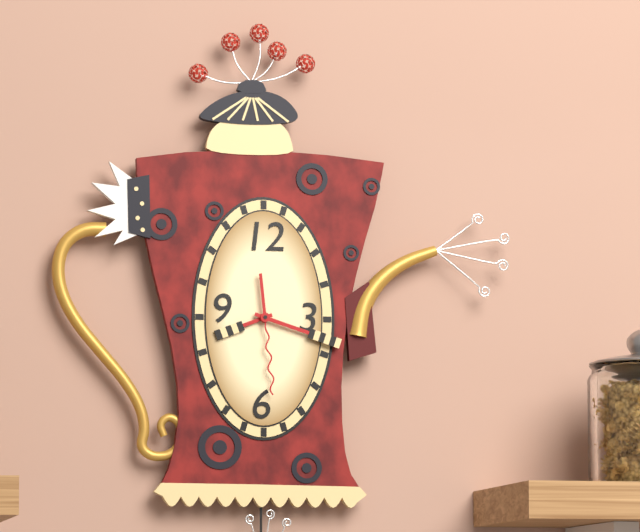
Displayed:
8,18,29
